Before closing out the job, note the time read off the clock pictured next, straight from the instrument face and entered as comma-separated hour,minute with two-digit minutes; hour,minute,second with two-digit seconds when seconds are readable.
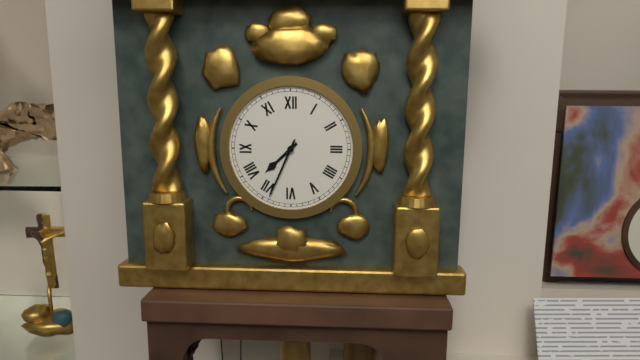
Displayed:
7,34
